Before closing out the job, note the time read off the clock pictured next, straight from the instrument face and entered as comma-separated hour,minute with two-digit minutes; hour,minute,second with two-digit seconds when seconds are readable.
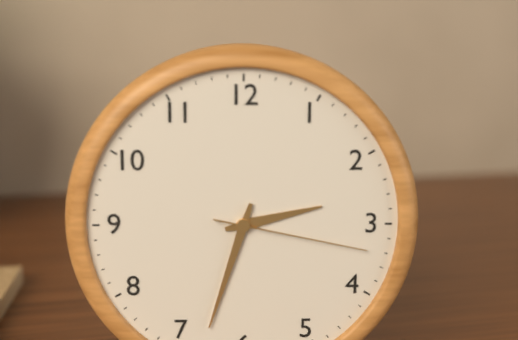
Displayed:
2,33,17
